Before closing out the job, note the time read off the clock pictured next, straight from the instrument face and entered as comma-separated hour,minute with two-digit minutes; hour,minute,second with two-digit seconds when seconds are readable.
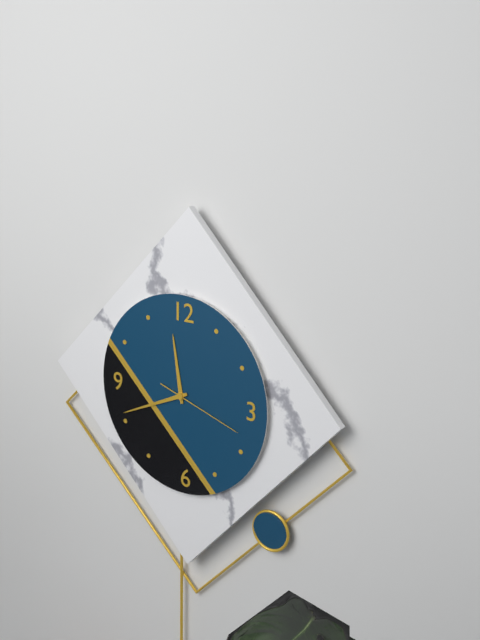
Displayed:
11,41,18
